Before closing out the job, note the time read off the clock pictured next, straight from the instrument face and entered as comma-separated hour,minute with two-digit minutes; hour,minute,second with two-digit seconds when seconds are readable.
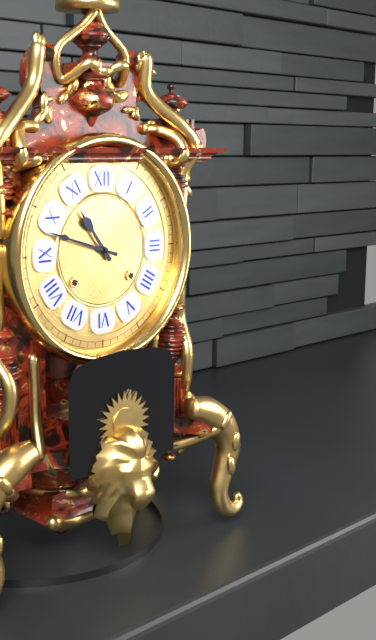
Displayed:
10,48
